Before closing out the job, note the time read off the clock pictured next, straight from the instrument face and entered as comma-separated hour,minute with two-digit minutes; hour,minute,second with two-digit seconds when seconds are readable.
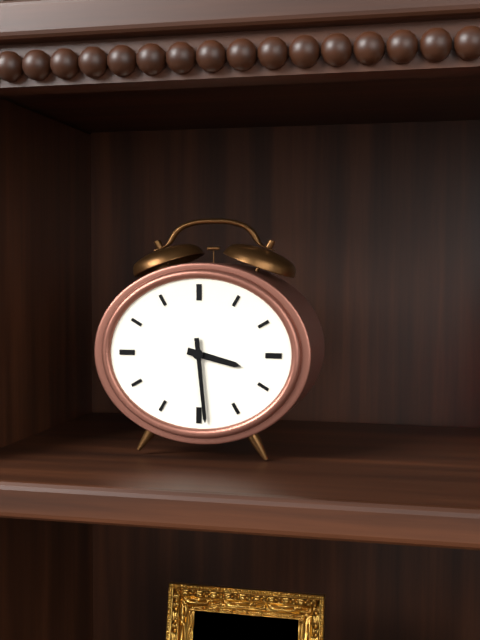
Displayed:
3,29
